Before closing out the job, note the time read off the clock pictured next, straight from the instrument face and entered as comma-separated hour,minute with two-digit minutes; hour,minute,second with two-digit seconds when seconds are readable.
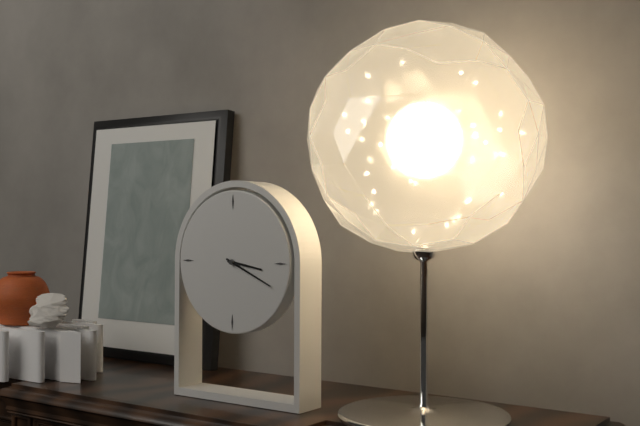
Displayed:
3,19
